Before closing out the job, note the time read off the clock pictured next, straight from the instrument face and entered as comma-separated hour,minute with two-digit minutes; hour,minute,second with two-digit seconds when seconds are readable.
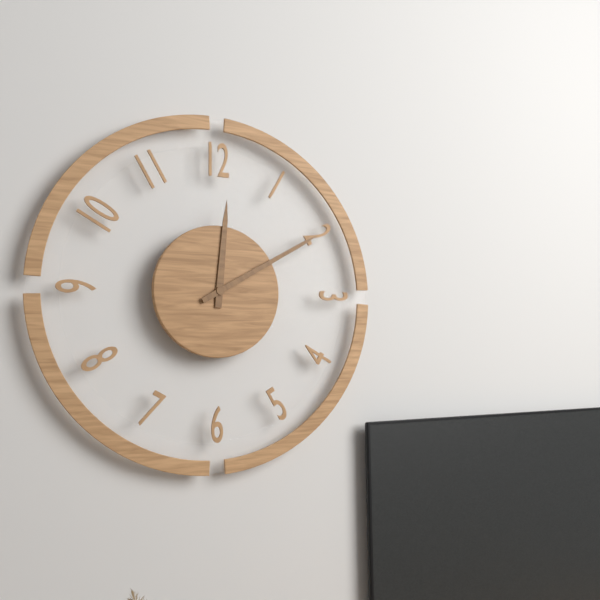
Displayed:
12,10
